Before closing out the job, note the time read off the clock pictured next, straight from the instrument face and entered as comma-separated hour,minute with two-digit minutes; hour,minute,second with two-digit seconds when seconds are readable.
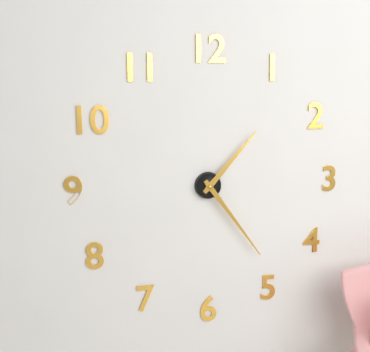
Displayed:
1,24
